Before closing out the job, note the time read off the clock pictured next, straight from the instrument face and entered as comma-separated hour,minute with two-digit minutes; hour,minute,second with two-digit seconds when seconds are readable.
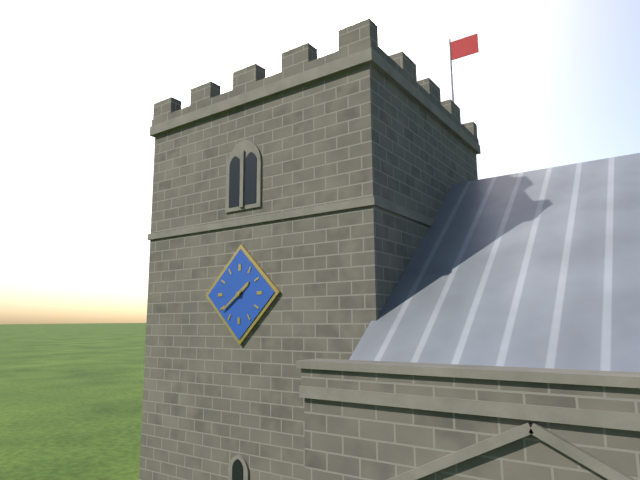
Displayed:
1,39
